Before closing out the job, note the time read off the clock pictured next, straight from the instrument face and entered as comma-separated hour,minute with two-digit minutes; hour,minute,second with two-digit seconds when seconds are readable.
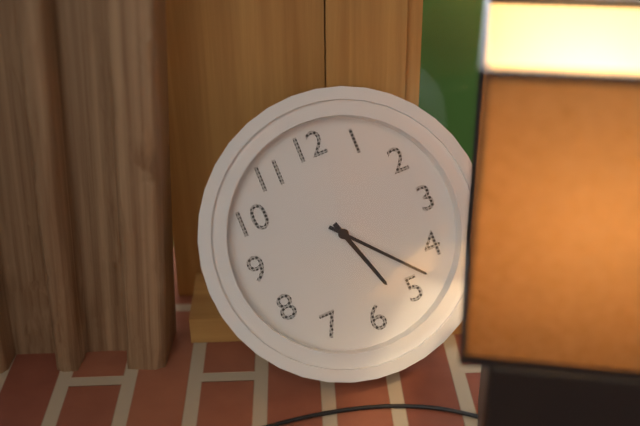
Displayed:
5,23
